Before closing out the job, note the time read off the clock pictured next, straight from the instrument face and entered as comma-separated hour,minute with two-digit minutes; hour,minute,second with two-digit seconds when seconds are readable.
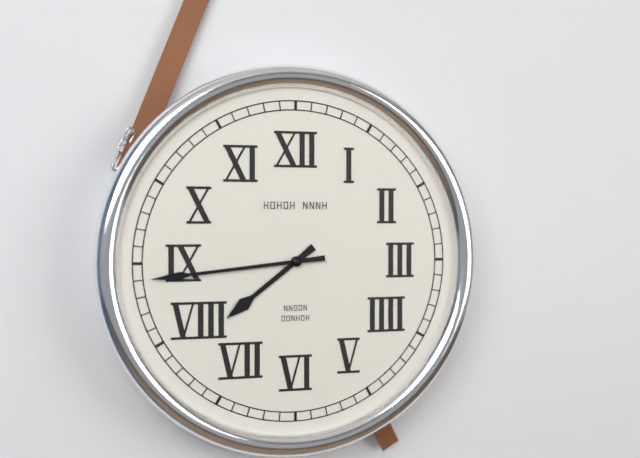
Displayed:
7,44
